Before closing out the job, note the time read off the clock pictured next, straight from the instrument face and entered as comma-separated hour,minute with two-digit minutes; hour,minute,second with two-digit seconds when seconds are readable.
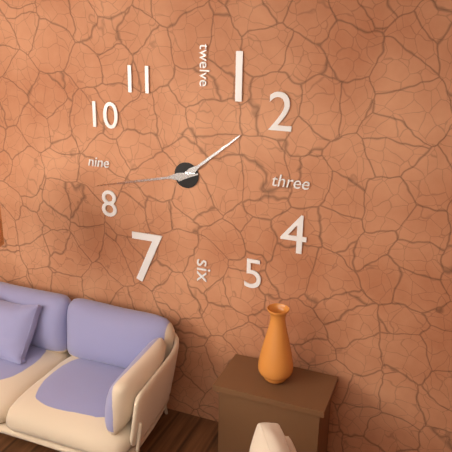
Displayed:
1,43
